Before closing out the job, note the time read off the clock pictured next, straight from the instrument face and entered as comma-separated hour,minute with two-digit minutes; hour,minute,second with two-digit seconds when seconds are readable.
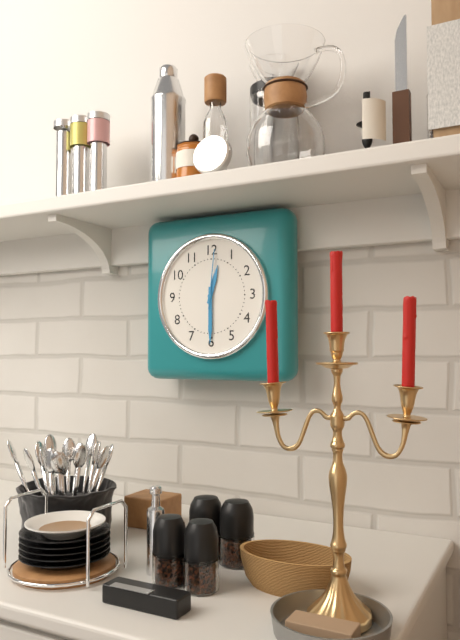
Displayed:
12,30,01
